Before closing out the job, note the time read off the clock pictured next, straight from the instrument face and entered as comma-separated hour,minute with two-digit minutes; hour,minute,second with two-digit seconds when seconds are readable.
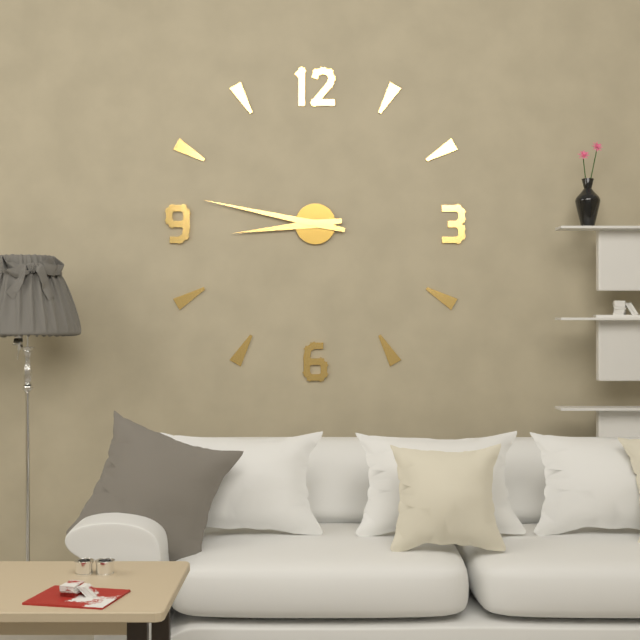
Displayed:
8,47
